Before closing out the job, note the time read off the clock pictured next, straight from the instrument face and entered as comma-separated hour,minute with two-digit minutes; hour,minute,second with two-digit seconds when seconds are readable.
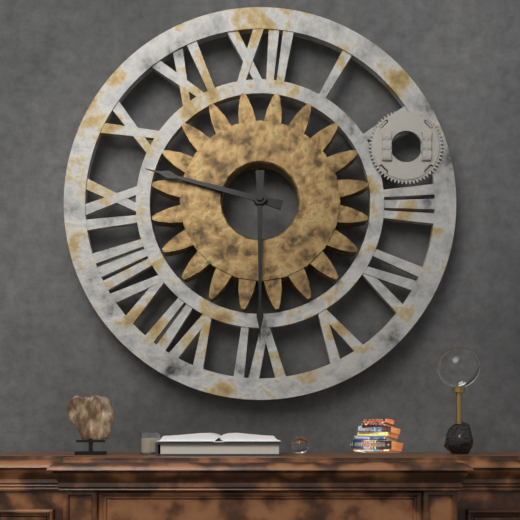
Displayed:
9,30
